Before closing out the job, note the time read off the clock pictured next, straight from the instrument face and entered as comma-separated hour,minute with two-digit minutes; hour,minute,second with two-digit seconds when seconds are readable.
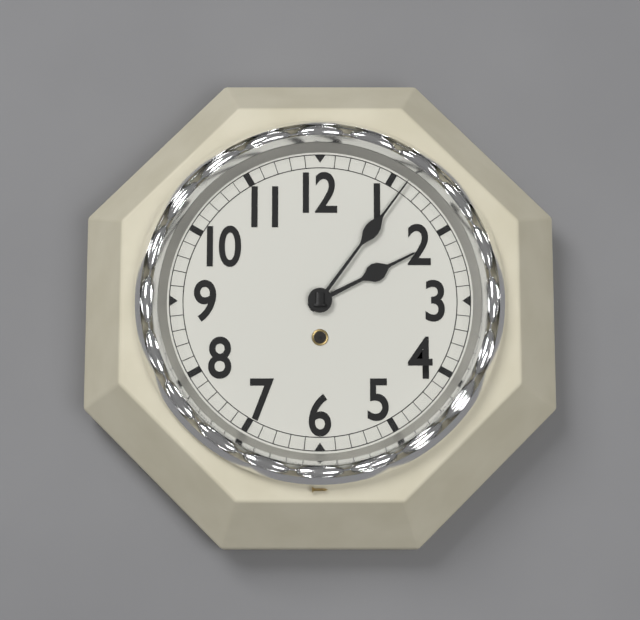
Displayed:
2,06
